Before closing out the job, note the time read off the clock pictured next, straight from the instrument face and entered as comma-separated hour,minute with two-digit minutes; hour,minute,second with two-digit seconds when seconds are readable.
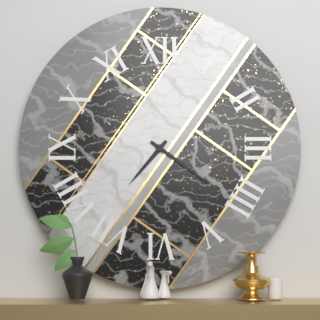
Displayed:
7,21
